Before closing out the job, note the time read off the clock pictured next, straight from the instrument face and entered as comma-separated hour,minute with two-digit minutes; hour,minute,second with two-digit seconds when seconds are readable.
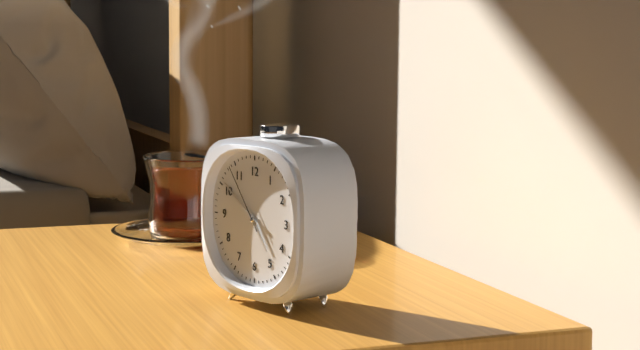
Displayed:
4,51,54
